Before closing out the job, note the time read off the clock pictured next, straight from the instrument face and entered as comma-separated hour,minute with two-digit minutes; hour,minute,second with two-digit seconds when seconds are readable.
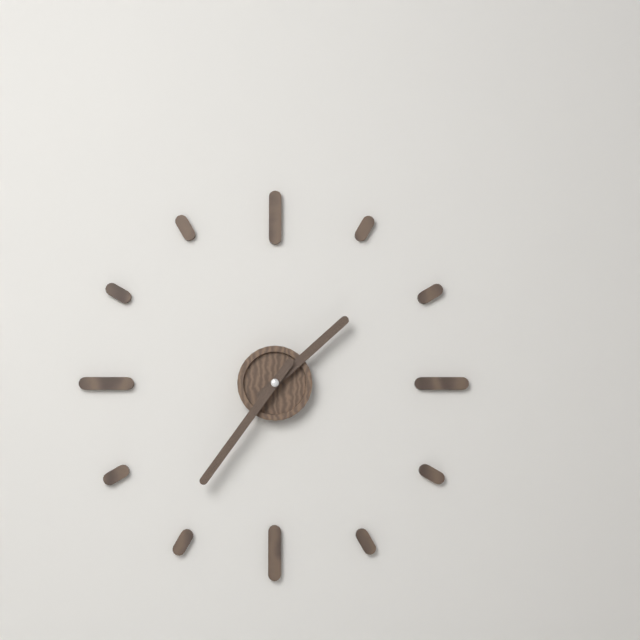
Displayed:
1,36
